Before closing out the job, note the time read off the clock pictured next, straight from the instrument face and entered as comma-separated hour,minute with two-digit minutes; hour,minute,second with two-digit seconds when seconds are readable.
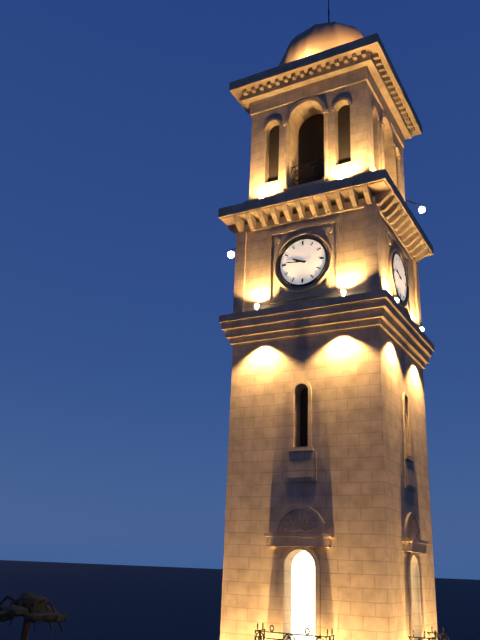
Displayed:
9,46
